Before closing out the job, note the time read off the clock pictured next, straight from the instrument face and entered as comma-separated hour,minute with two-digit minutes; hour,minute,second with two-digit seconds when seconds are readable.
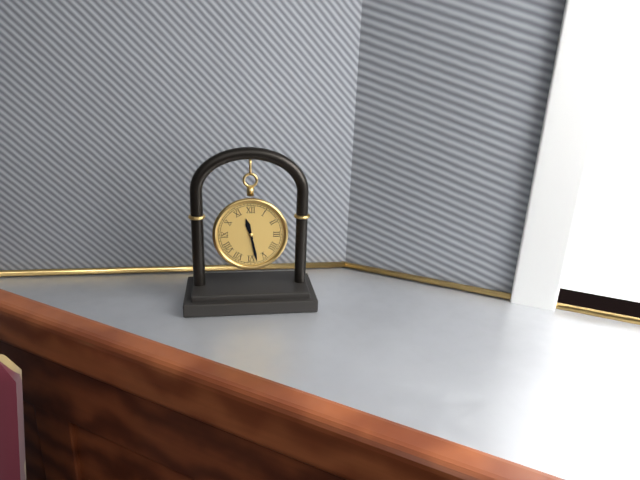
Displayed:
11,28
